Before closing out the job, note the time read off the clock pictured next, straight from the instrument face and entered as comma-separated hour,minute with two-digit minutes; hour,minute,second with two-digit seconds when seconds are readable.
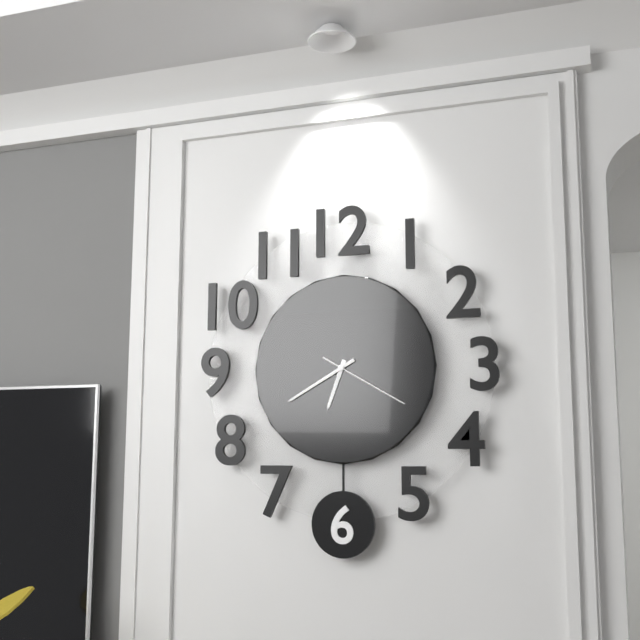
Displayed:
6,40,20
